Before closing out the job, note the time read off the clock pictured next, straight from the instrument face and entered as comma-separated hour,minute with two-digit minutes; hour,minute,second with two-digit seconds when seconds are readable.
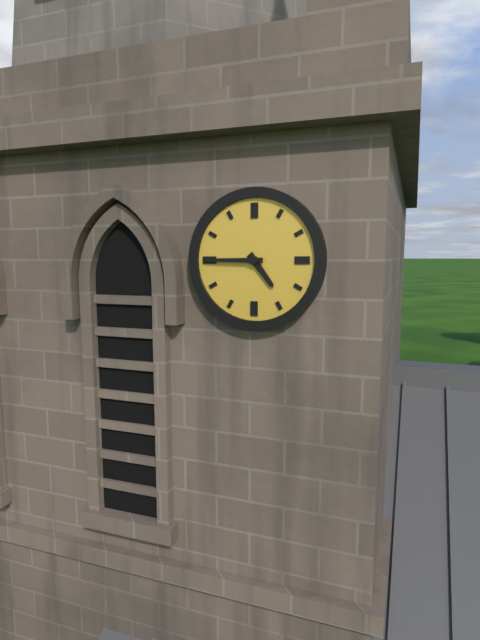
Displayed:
4,45
